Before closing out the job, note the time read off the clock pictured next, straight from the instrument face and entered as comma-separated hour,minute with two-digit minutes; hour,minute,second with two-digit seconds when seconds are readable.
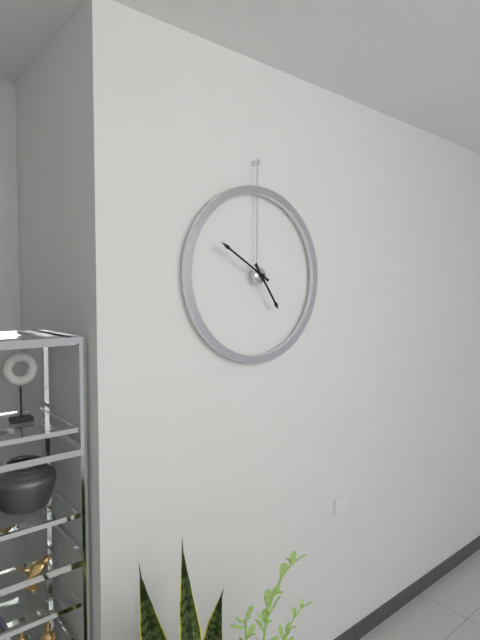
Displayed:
4,50
